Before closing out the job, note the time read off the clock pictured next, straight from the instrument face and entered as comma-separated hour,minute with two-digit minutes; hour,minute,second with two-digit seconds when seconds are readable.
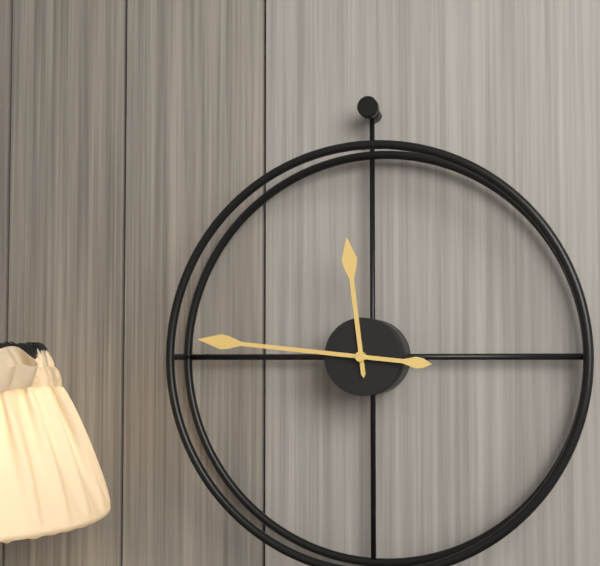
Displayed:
11,46
